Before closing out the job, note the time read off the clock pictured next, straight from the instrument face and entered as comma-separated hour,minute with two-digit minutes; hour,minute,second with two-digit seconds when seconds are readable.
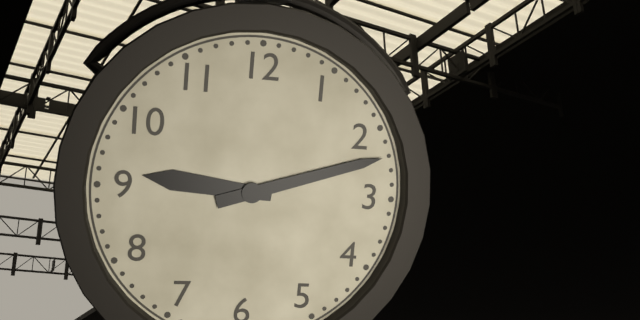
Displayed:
9,12
